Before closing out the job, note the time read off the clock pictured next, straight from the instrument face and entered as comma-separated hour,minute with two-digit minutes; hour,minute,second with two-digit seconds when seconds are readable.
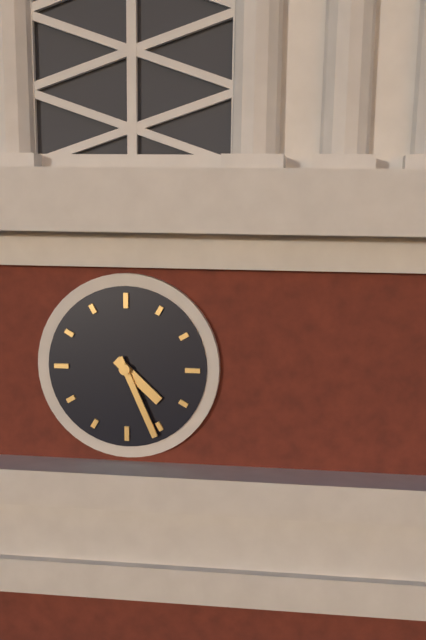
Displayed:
4,26
